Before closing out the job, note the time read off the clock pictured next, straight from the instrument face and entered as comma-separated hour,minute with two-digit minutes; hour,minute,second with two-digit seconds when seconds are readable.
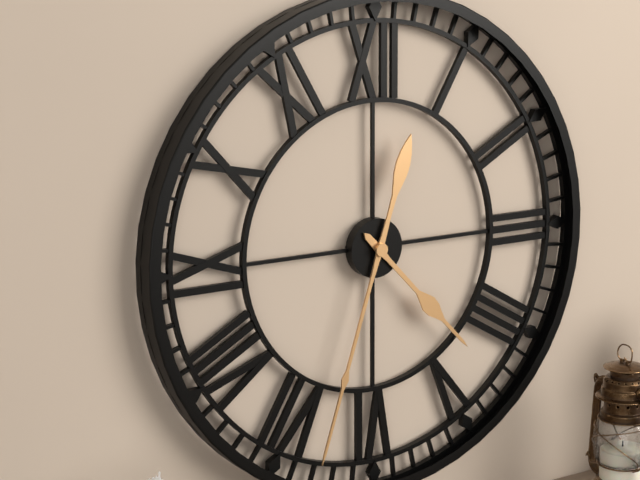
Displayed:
4,33
